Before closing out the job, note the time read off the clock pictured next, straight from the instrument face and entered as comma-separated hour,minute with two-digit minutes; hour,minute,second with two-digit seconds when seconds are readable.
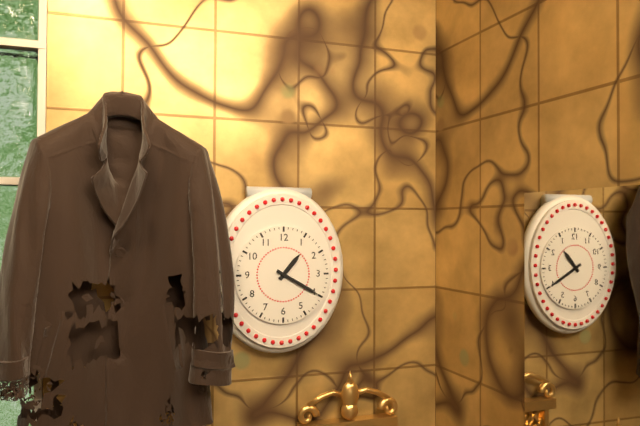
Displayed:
1,20
